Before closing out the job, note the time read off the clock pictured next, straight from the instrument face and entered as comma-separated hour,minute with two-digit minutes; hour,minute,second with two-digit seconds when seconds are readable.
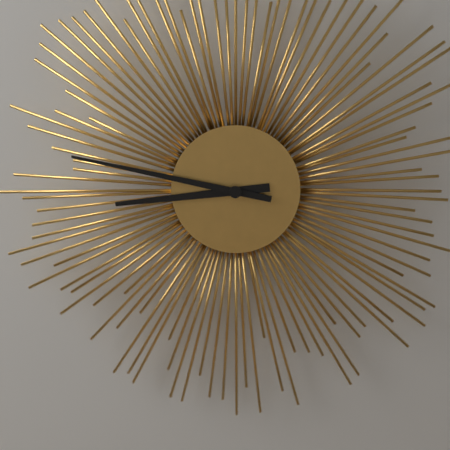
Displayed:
8,47
